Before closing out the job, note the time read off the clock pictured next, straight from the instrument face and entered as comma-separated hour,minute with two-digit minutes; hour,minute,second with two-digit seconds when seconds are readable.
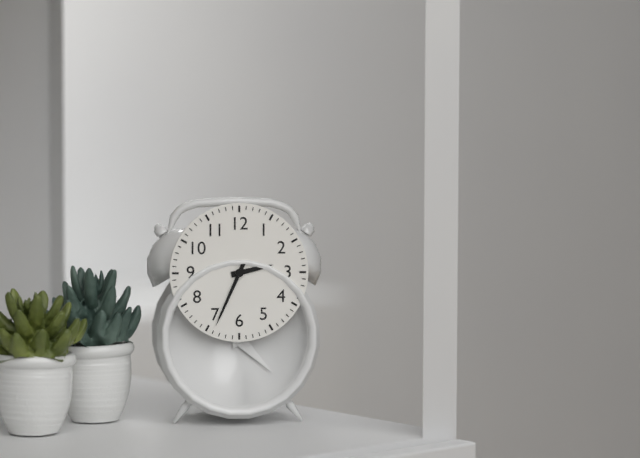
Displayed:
2,34
